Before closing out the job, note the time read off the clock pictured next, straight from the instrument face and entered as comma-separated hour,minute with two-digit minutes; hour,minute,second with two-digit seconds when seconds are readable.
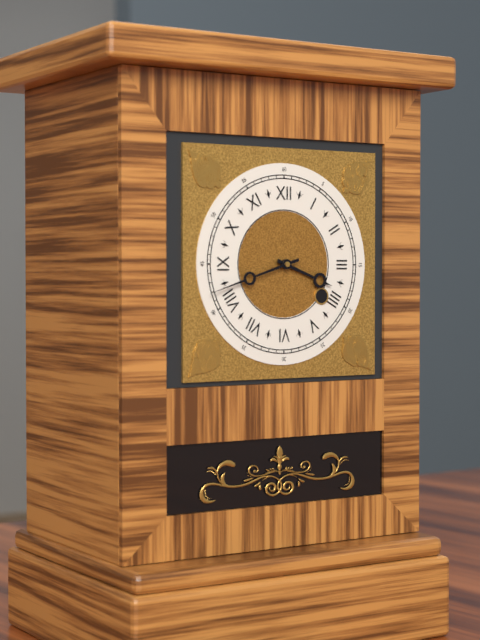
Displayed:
3,42
